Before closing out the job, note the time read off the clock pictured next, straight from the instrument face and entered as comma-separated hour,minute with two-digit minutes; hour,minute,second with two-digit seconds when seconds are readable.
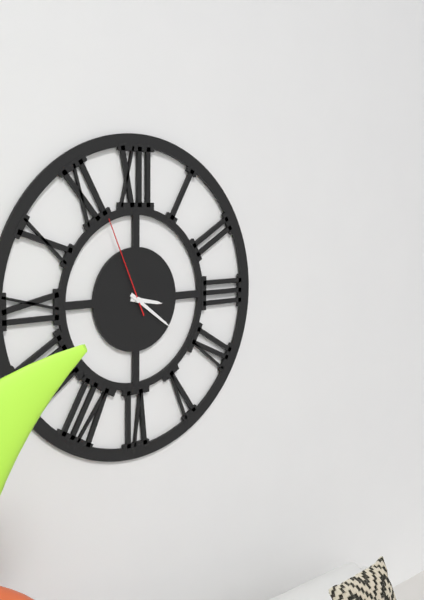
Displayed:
3,21,56
